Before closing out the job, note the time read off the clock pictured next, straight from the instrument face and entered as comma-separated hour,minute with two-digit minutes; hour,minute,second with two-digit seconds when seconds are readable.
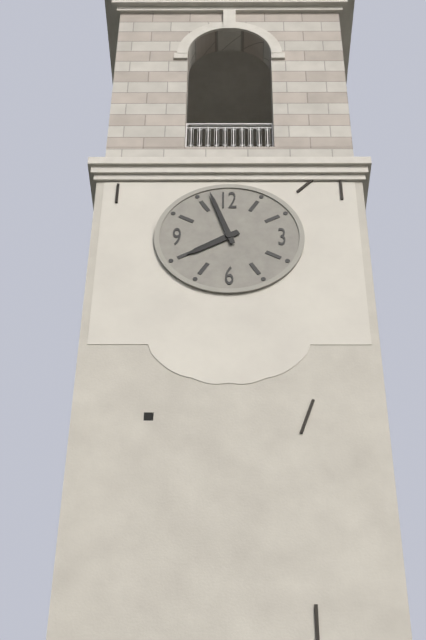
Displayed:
7,57
